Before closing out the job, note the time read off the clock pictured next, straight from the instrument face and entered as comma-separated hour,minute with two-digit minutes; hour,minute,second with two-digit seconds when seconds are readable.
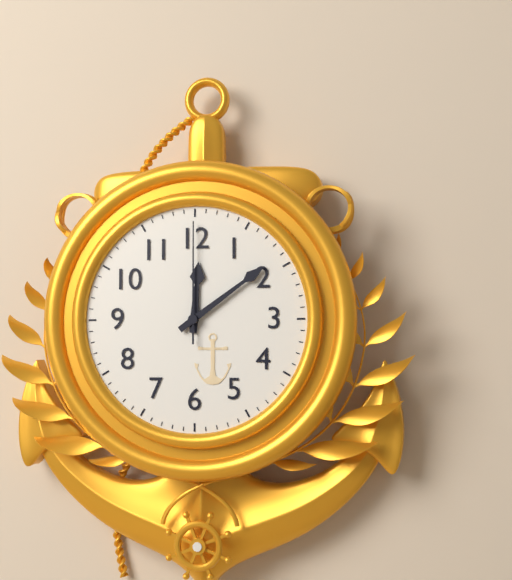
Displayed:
12,09,00
